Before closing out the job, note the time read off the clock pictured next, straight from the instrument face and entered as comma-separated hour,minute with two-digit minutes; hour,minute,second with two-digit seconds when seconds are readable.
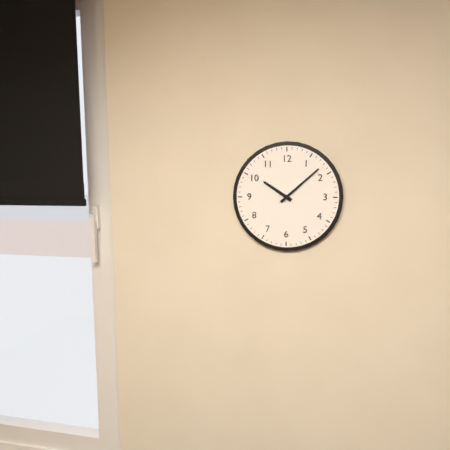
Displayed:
10,08
